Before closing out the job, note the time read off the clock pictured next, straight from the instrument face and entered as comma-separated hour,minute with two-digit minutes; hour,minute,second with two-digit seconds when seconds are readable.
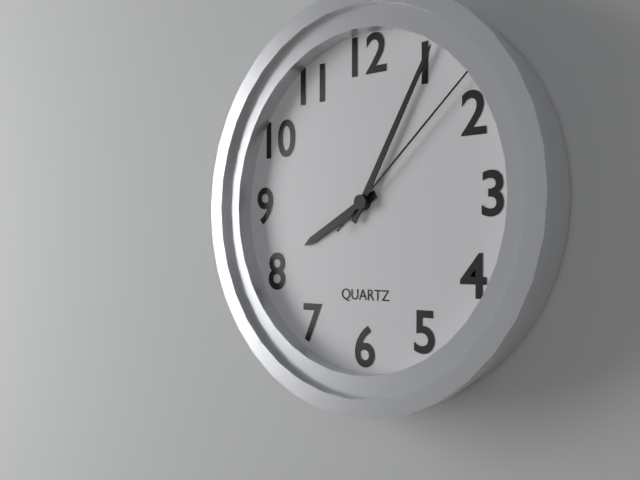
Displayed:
8,05,08
